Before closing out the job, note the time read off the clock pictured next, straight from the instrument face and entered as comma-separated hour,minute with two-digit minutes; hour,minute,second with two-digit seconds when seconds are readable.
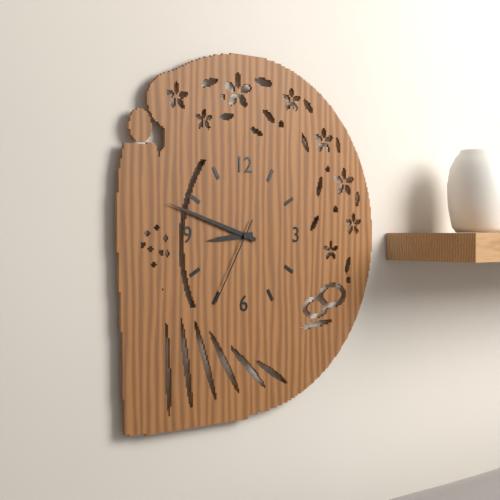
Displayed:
8,48,35
